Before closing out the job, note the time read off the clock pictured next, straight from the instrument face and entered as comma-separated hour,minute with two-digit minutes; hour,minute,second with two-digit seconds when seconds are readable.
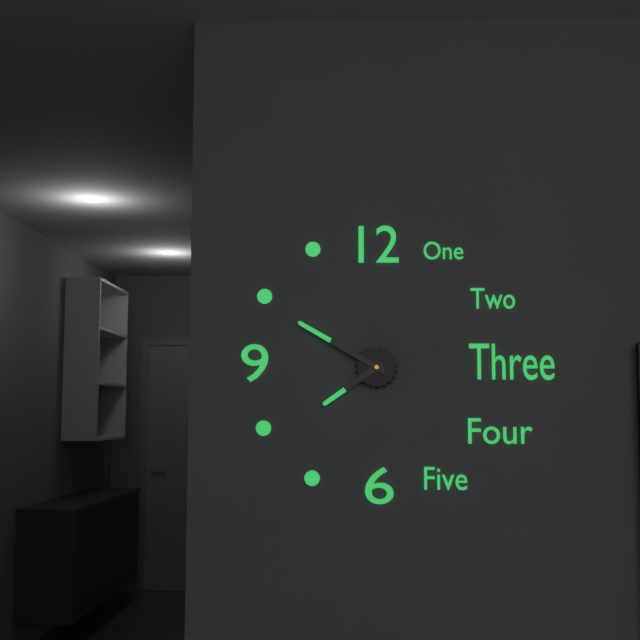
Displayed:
7,50
